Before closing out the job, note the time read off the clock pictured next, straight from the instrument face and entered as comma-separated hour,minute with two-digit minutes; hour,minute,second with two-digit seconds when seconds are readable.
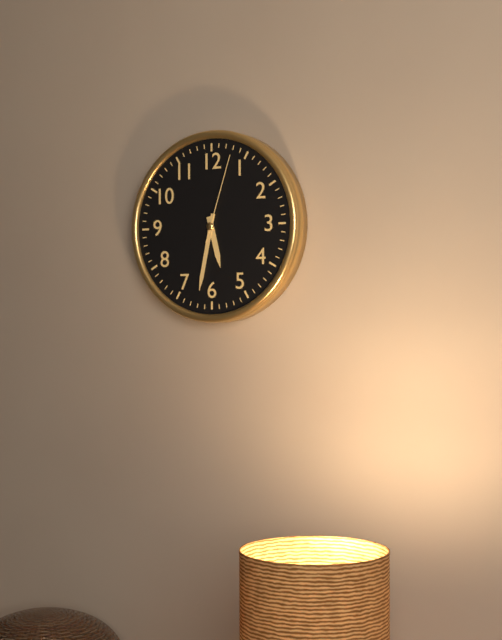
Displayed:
5,32,03
